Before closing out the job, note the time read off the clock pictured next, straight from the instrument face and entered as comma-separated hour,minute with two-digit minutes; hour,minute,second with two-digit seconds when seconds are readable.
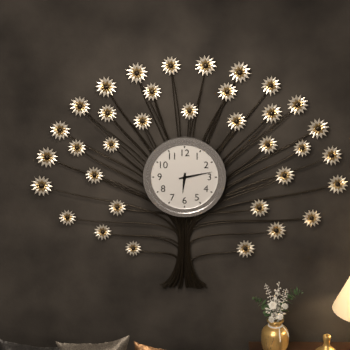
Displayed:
6,13
